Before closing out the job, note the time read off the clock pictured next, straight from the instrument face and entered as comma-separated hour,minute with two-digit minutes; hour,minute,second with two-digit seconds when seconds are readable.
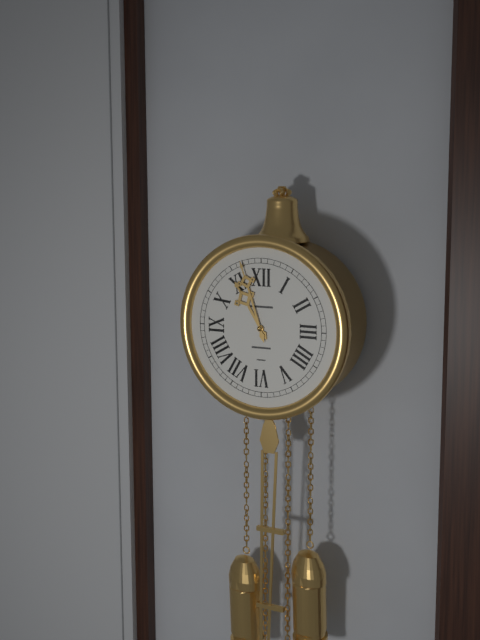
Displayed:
10,57
